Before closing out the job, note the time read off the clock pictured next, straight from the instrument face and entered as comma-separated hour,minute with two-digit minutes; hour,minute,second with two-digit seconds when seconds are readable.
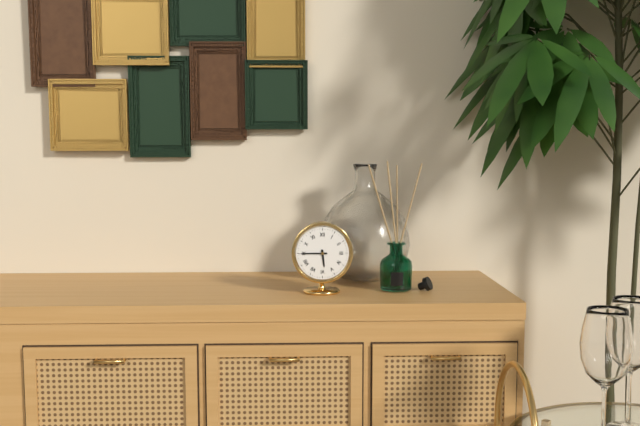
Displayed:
5,45
